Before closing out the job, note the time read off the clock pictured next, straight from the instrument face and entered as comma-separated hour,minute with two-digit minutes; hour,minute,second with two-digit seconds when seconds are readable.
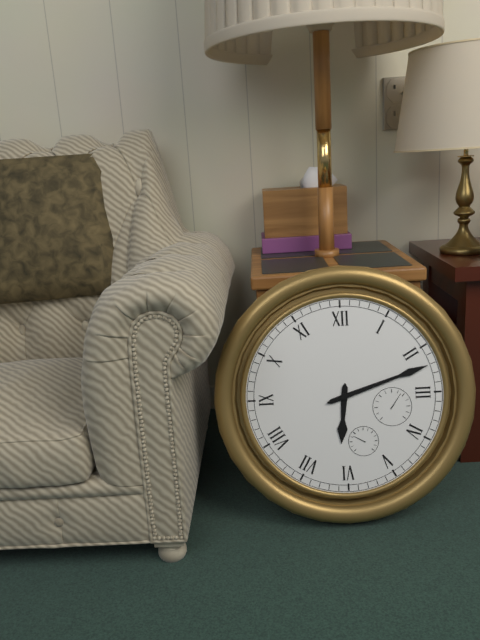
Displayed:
6,12
